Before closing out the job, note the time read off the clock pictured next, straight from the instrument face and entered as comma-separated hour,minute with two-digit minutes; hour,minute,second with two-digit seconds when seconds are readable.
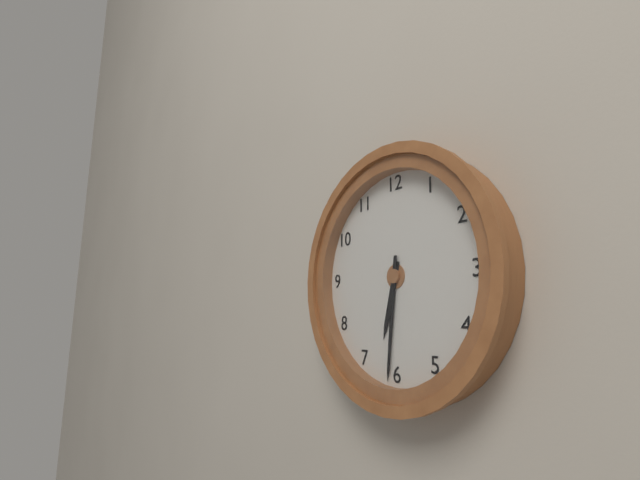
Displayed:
6,31
